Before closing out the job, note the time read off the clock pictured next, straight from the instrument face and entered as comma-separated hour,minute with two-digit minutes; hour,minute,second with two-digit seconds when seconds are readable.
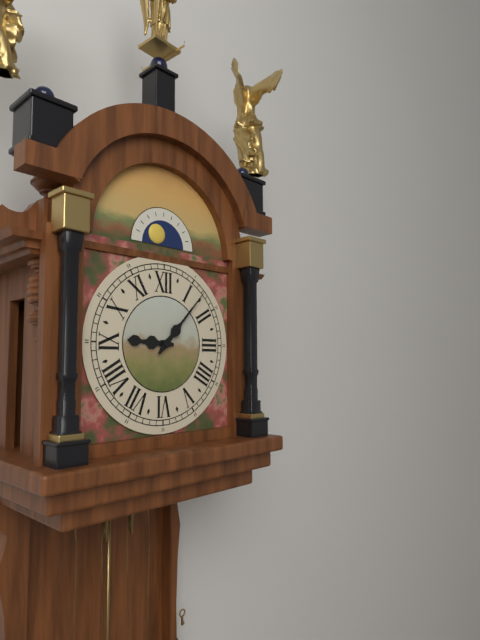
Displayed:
9,07
